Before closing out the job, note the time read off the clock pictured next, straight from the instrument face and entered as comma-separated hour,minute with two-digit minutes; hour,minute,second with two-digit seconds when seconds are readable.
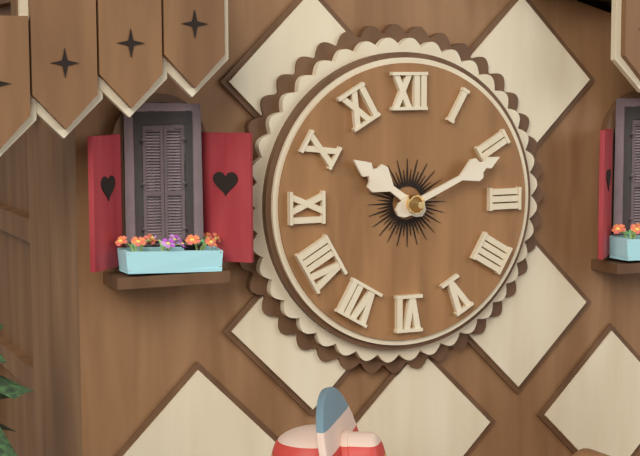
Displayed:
10,11
